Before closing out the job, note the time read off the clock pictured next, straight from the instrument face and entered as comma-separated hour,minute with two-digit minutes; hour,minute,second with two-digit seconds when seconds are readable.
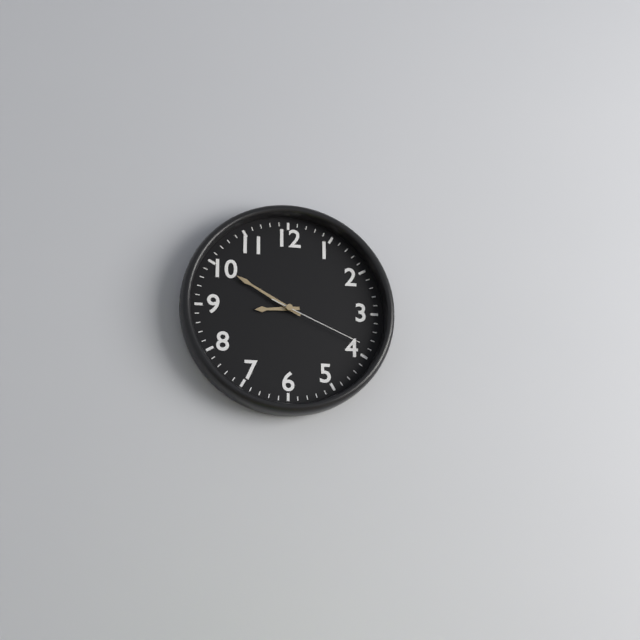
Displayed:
8,50,19
